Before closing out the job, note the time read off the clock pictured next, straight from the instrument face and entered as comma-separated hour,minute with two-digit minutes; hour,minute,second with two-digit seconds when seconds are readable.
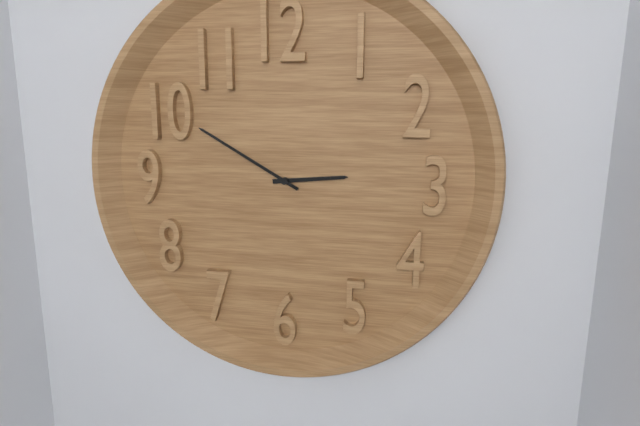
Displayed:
2,50
